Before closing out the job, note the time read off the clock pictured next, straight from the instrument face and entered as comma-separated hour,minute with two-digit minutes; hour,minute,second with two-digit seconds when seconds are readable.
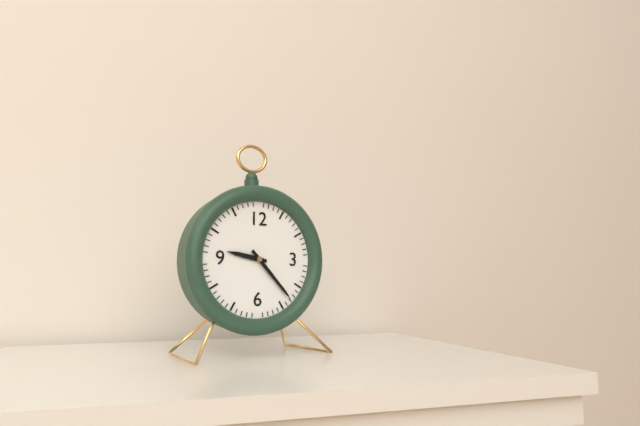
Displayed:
9,23
